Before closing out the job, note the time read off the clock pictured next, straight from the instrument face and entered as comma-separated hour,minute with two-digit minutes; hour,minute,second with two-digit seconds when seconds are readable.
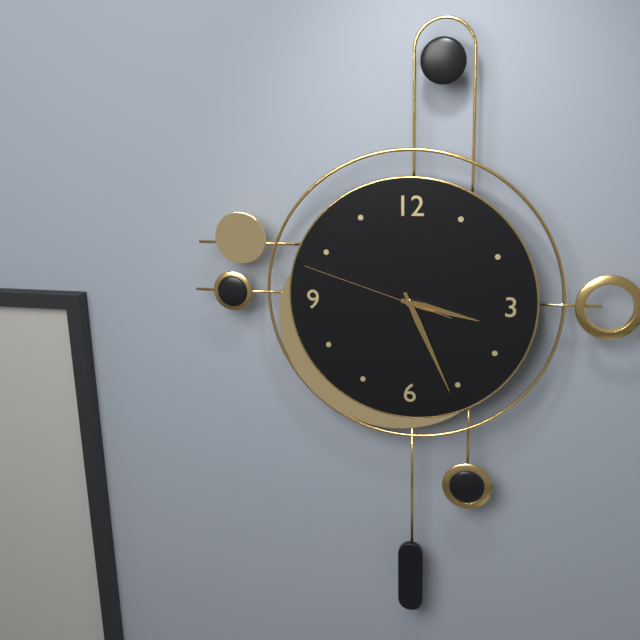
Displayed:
3,26,48
